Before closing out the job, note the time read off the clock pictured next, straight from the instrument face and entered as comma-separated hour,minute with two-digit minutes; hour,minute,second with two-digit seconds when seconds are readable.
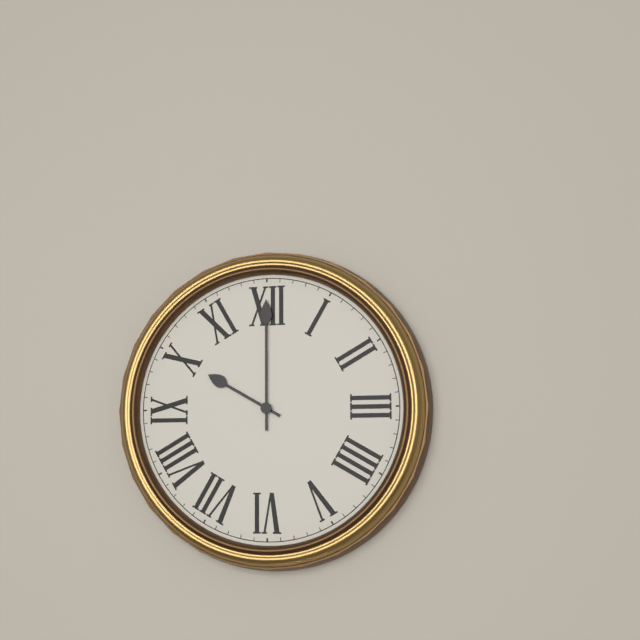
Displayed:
10,00
